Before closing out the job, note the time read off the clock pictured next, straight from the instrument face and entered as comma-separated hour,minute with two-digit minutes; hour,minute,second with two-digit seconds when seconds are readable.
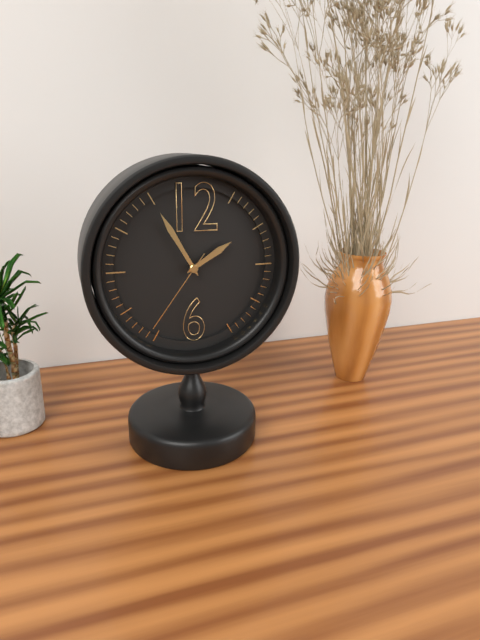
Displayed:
1,55,36
